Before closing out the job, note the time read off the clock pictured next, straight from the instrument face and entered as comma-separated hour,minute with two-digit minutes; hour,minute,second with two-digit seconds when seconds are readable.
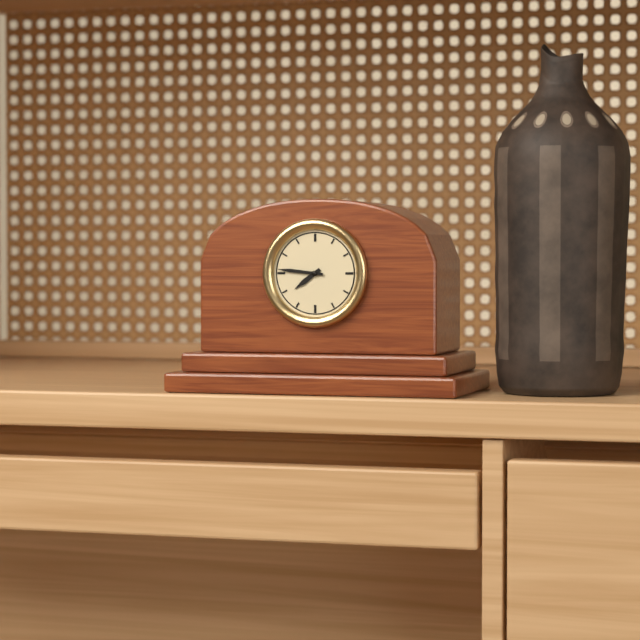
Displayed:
7,46
